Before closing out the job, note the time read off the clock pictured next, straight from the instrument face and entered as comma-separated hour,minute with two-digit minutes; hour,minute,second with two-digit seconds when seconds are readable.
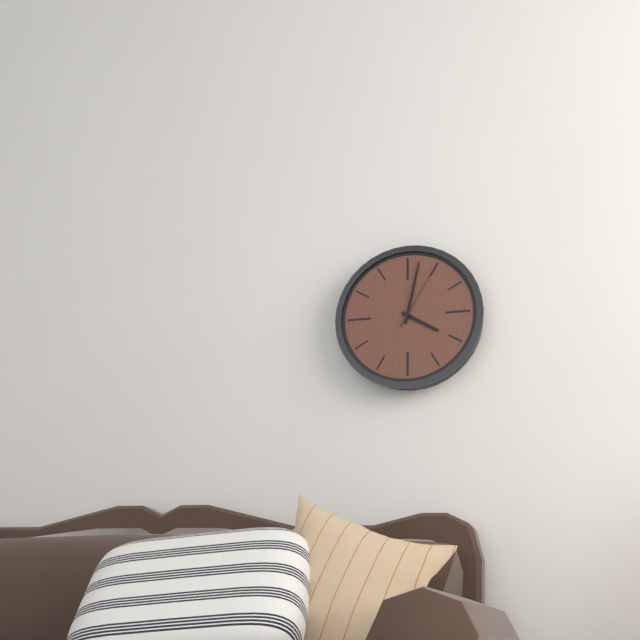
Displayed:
4,02,05
